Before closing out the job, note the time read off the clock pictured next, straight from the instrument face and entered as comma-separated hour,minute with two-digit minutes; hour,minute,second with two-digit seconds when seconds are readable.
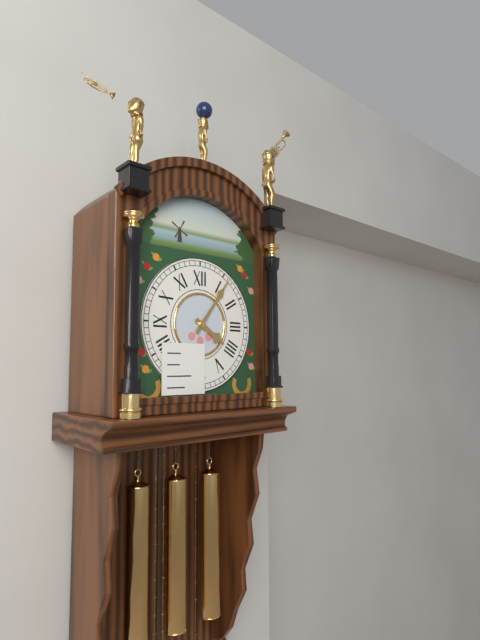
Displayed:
4,06
